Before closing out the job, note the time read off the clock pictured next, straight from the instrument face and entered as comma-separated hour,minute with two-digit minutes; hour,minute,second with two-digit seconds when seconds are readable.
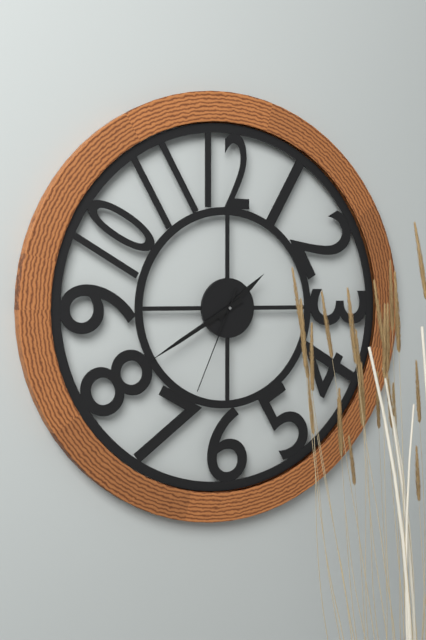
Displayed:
1,40,34
